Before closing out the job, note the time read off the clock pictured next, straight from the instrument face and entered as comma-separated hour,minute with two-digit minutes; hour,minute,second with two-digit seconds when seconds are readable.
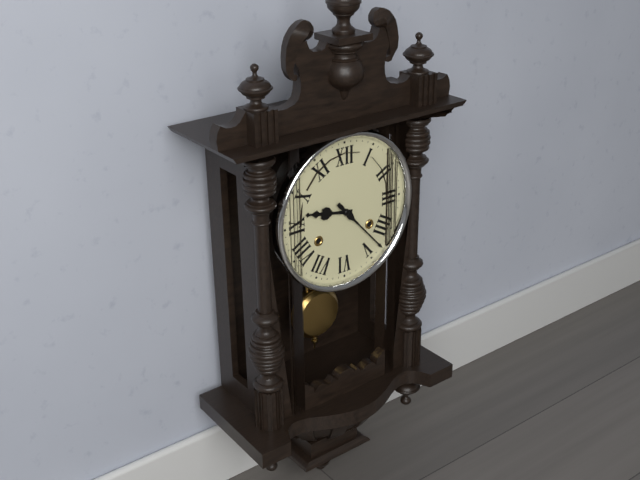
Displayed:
9,23
